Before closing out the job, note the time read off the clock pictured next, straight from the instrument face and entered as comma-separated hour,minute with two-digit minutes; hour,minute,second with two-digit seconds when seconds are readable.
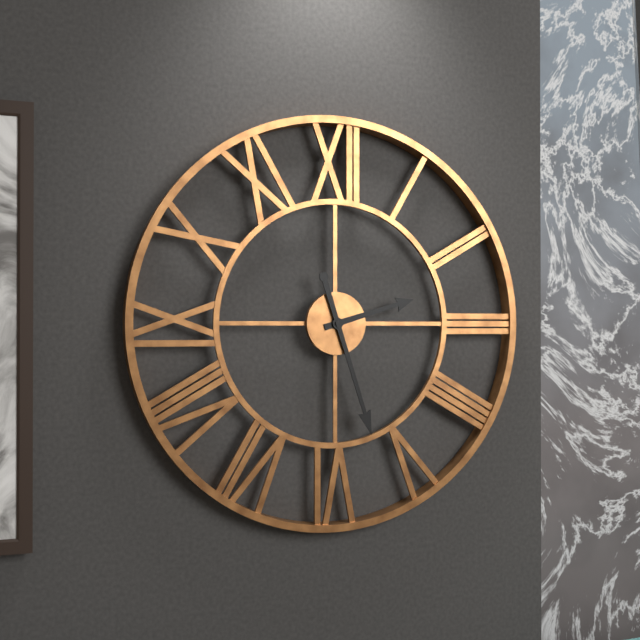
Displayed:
2,27
